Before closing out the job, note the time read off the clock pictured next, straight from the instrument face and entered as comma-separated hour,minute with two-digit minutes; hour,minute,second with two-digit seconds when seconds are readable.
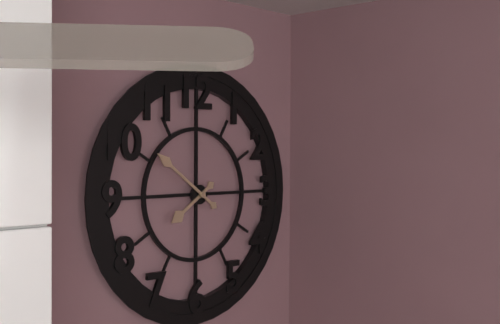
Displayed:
7,51
